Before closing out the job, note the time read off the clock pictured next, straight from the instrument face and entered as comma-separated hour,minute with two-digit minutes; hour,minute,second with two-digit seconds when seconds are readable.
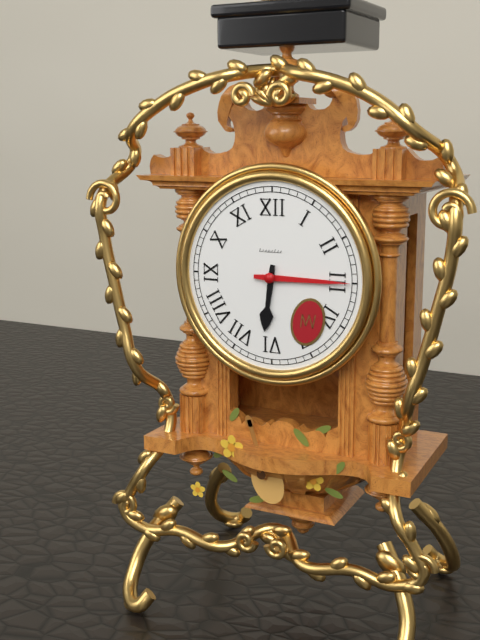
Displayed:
6,15
